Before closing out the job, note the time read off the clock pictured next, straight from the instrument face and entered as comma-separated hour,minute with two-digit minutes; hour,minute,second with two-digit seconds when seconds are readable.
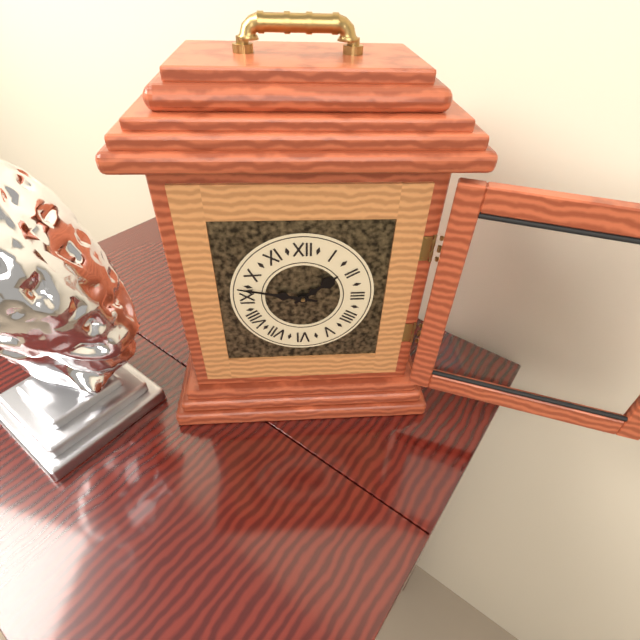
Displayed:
1,47
